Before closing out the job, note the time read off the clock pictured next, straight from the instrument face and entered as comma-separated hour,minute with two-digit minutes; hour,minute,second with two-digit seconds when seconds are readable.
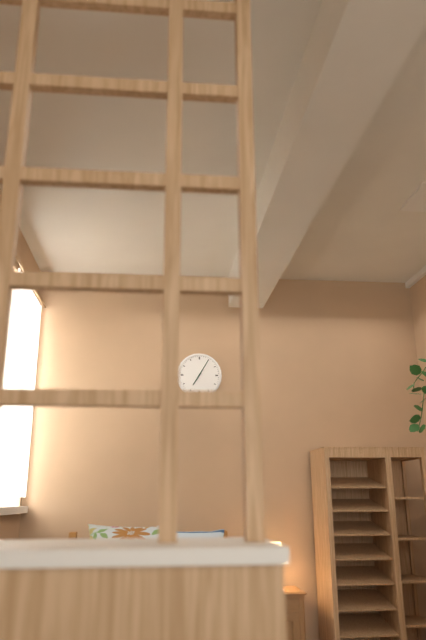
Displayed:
7,05
